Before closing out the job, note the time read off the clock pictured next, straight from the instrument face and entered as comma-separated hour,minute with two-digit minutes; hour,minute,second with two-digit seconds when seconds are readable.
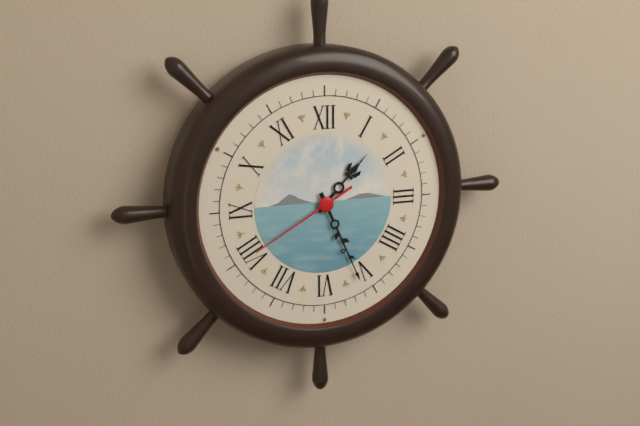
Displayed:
1,26,40
